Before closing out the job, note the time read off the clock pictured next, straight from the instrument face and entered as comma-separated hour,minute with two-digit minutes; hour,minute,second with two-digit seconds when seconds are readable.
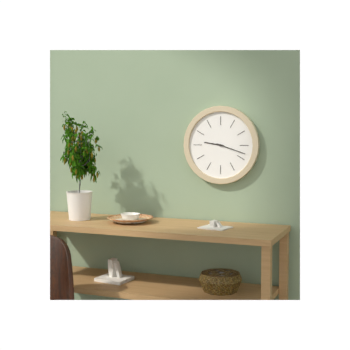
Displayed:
9,18
